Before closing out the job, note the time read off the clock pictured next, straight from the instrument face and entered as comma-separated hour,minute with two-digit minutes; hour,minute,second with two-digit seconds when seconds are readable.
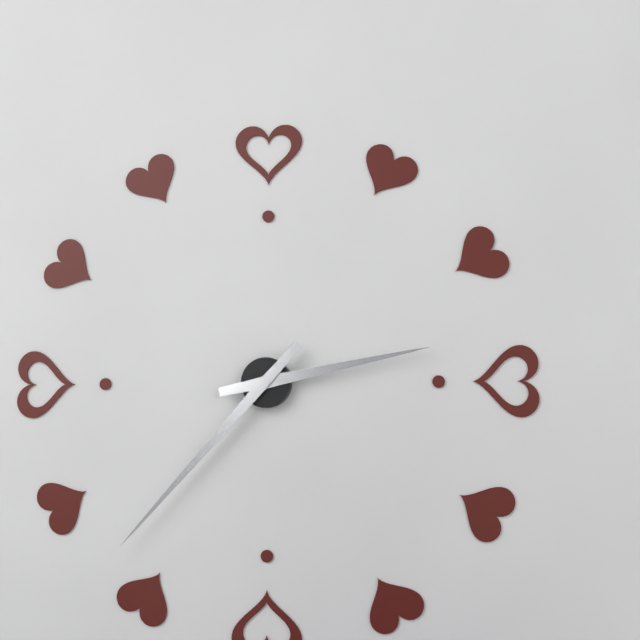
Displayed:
2,37
